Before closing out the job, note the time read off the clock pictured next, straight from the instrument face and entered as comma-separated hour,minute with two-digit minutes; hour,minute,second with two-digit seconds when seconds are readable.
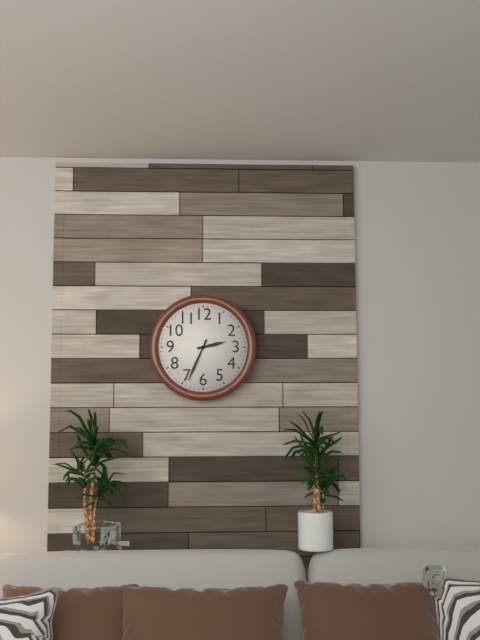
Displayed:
2,34
